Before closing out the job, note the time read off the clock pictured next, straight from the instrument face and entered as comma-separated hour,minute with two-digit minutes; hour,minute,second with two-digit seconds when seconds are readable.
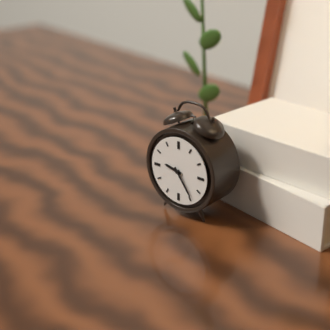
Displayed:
9,24
